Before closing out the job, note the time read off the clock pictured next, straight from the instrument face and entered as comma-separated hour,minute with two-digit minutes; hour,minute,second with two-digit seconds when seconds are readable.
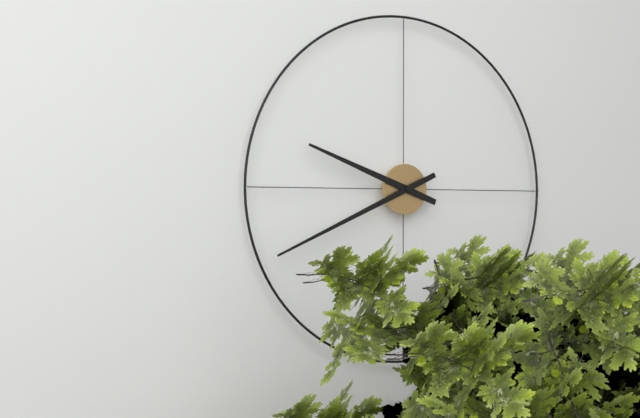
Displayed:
9,41
